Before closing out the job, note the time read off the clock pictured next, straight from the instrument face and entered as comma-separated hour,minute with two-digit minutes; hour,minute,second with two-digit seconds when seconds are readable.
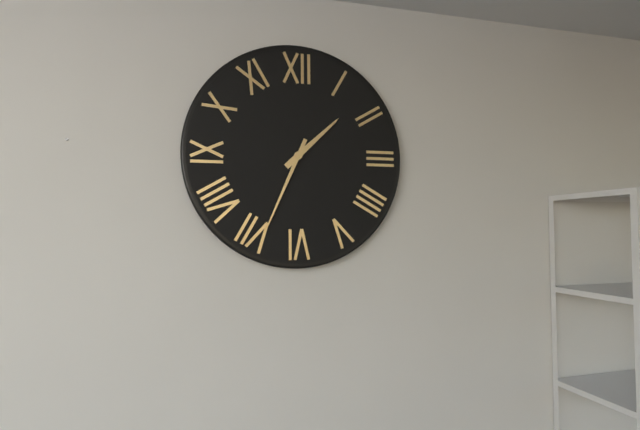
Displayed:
1,34
